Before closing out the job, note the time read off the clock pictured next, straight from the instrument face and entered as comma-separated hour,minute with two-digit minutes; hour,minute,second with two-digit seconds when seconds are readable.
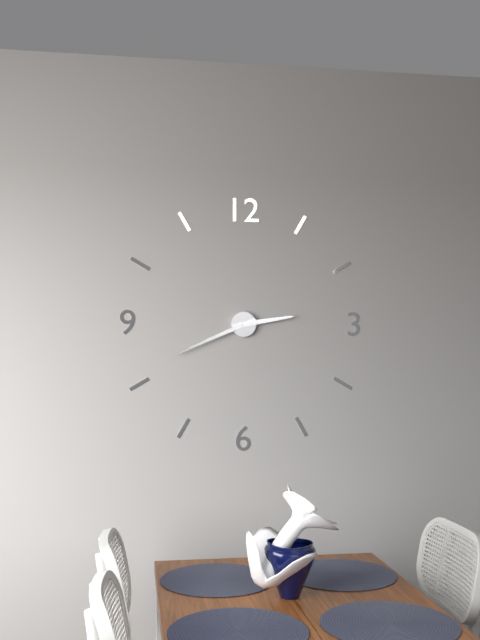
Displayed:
2,41
